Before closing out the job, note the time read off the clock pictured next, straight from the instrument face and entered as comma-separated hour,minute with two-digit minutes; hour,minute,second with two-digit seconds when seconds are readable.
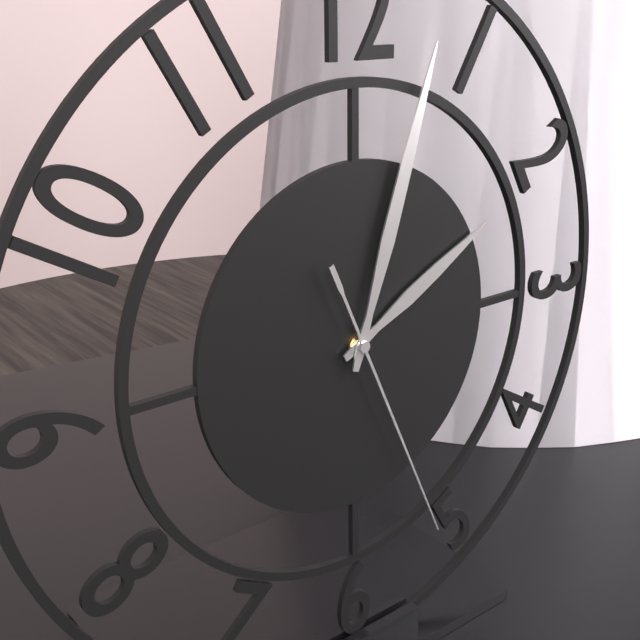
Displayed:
2,03,26
